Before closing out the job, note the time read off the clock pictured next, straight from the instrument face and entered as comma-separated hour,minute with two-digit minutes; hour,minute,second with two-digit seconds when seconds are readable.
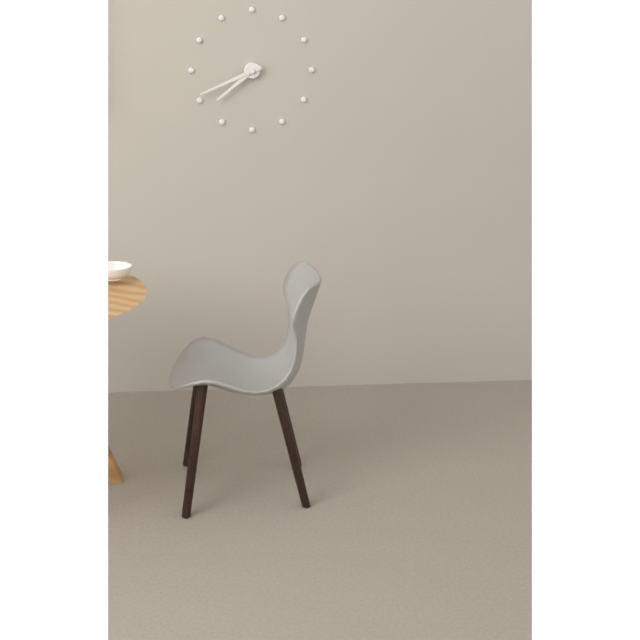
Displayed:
7,41
